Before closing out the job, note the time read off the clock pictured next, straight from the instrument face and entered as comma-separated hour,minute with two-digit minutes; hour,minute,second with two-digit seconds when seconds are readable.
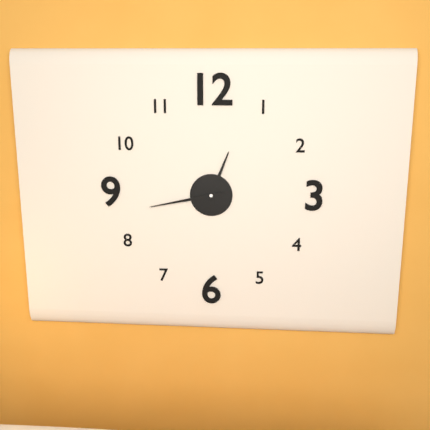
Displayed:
12,43
